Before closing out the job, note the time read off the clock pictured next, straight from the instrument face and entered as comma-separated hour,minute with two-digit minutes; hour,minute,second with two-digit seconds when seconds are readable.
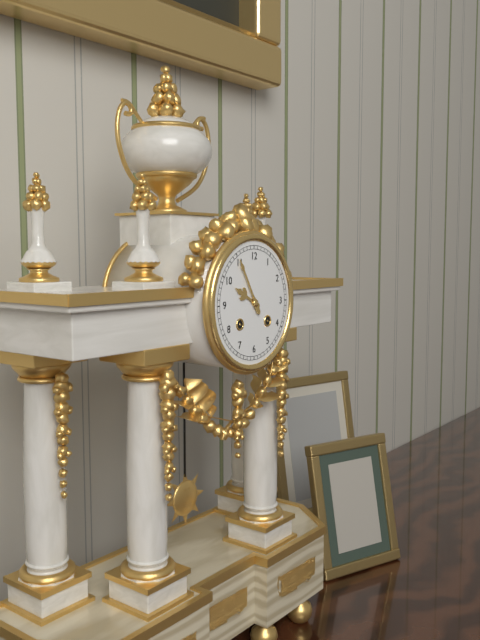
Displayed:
9,55
